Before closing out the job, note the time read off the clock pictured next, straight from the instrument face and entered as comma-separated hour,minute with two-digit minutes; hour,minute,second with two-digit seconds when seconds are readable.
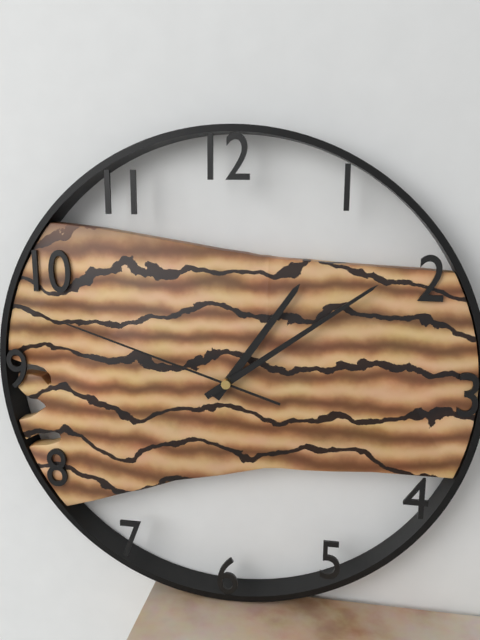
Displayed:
1,09,48
